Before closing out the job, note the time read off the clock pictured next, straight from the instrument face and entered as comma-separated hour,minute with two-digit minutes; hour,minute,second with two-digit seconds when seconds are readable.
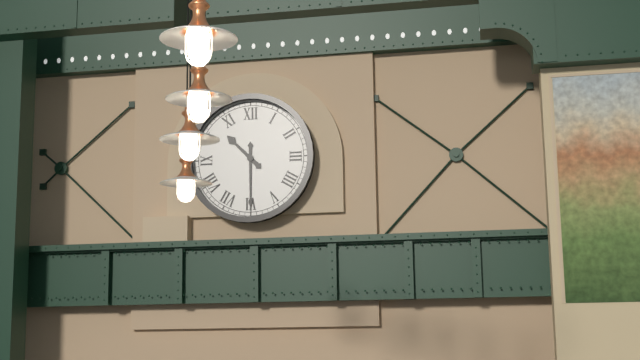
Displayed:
10,30
